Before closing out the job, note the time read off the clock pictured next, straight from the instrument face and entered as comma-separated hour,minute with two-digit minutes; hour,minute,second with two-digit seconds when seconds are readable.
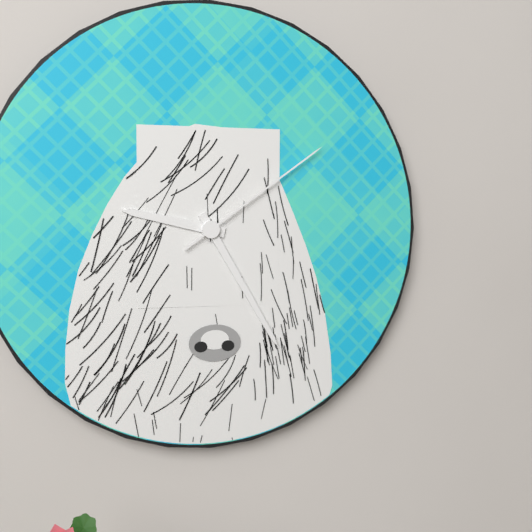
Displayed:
9,25,09
